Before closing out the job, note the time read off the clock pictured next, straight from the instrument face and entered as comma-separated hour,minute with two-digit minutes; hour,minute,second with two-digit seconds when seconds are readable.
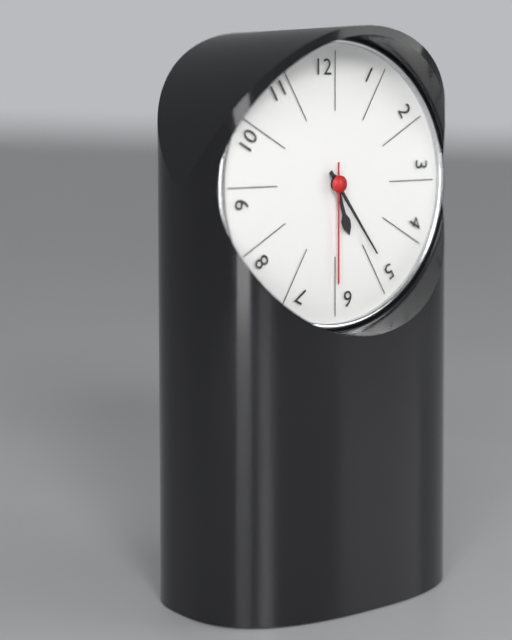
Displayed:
5,24,30
